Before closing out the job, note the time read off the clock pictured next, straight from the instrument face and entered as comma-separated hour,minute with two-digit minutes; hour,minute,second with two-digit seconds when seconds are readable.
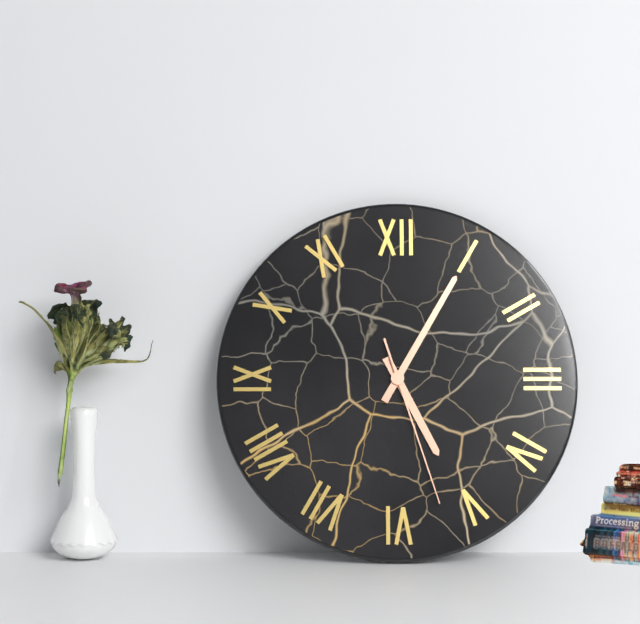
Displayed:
5,05,27
